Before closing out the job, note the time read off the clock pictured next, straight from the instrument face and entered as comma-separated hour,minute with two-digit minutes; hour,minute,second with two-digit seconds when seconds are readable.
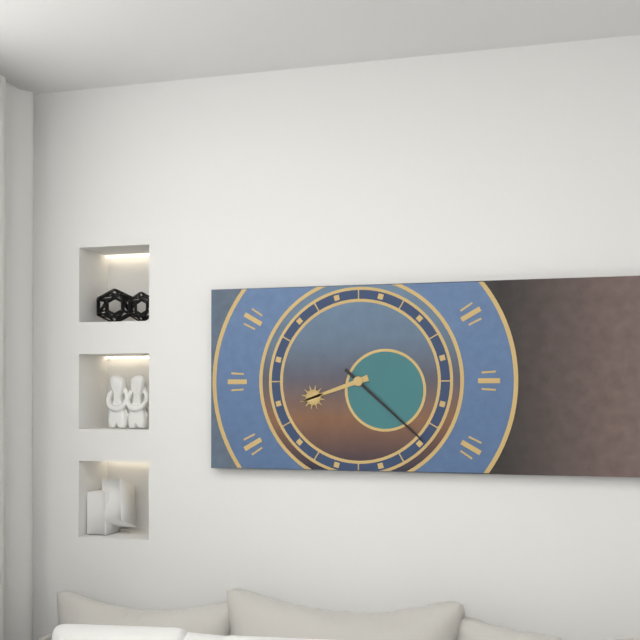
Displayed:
8,22
